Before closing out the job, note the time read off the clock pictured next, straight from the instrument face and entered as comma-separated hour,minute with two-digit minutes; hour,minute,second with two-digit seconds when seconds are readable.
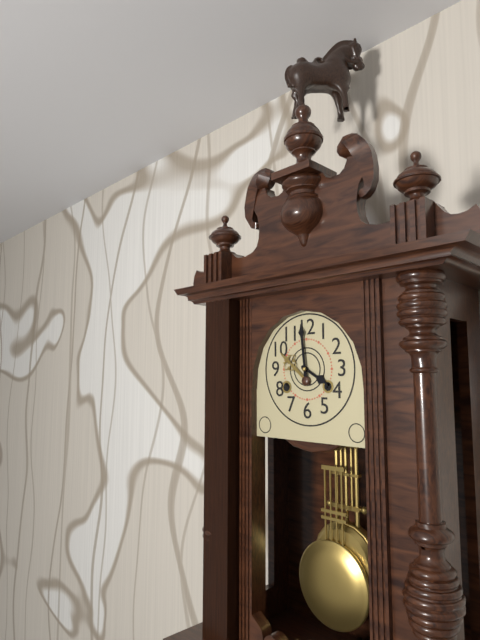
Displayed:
3,59
